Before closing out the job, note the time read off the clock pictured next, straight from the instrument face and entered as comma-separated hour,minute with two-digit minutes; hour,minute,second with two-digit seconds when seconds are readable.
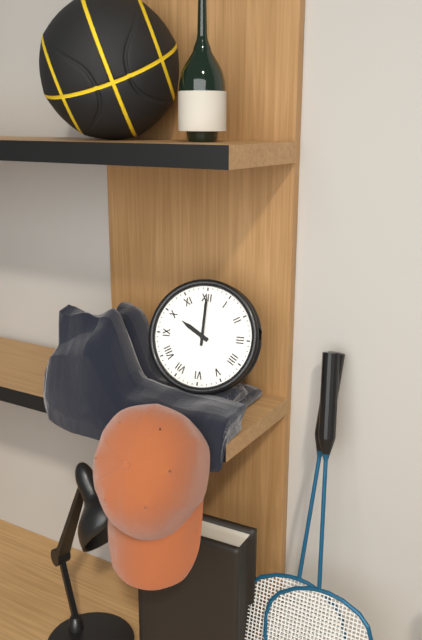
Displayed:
10,00
